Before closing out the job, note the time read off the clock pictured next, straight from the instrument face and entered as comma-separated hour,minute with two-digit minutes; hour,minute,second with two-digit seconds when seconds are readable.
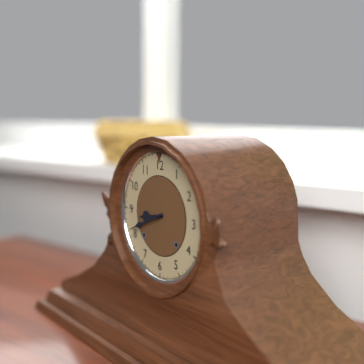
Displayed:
8,41
